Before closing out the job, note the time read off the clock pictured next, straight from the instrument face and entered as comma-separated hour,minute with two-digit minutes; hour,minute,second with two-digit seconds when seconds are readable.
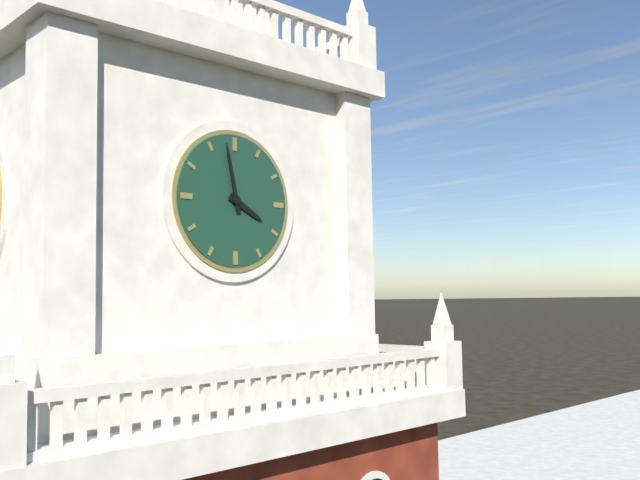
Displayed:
3,58
